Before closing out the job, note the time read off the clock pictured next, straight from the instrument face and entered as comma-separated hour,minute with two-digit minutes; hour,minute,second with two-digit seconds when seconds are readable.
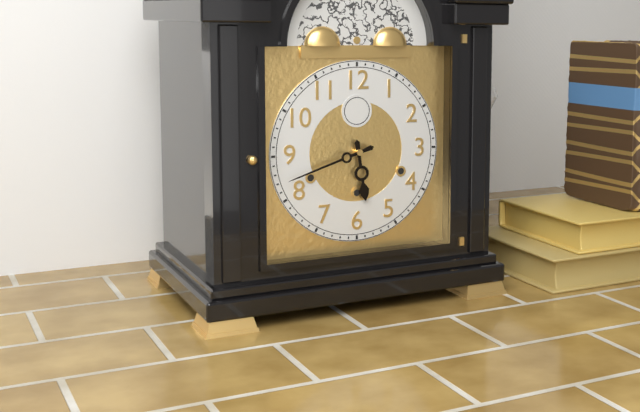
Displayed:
5,42
